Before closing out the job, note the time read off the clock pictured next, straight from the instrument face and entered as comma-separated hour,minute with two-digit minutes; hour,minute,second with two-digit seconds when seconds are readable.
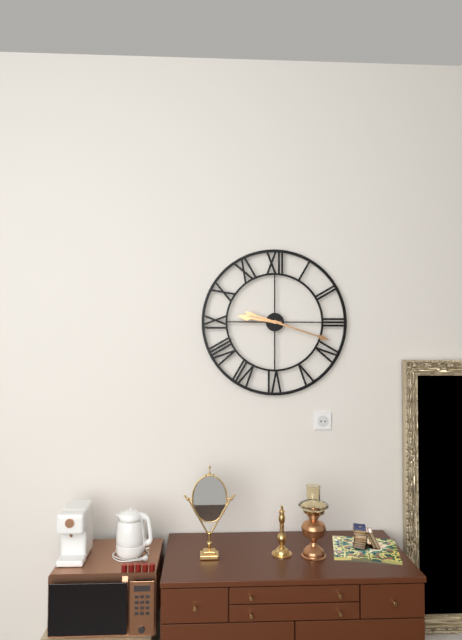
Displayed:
9,18
